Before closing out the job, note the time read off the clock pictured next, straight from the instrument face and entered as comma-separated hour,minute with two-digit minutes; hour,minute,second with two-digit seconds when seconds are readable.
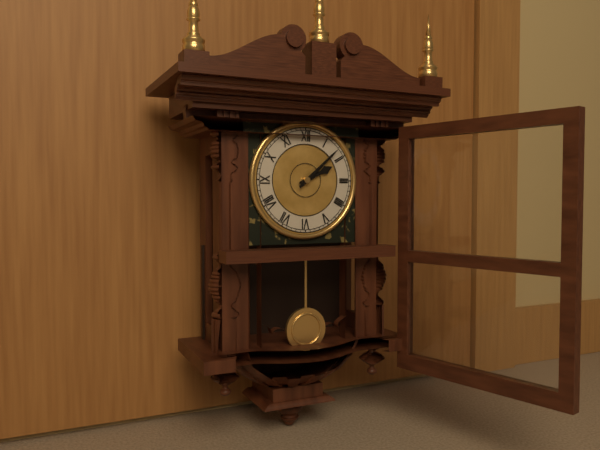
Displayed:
2,08
